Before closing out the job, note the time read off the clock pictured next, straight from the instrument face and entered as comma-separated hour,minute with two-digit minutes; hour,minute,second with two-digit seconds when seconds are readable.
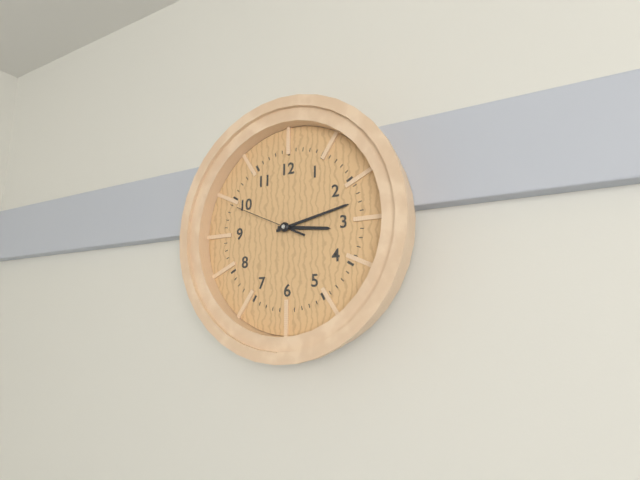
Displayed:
3,13,49
